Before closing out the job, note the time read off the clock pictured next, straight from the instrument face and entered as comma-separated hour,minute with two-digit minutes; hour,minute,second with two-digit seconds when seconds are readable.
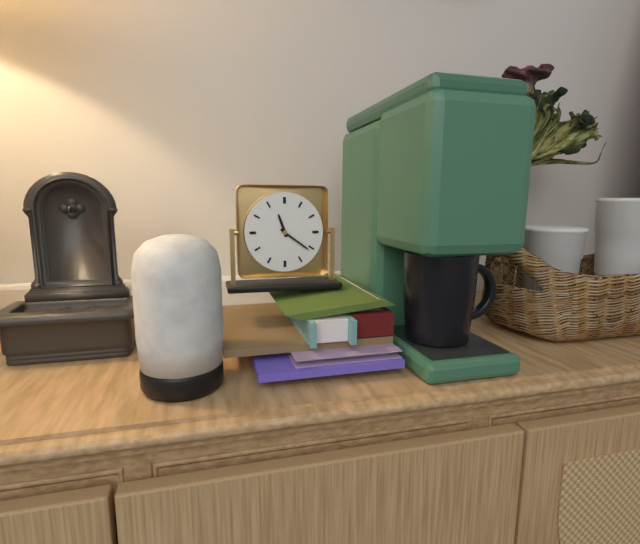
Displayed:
11,21
